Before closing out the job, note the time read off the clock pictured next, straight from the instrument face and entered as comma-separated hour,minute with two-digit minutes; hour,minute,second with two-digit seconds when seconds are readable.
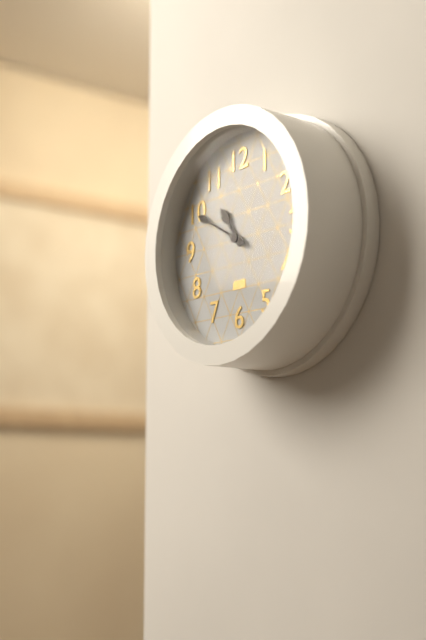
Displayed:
10,50
